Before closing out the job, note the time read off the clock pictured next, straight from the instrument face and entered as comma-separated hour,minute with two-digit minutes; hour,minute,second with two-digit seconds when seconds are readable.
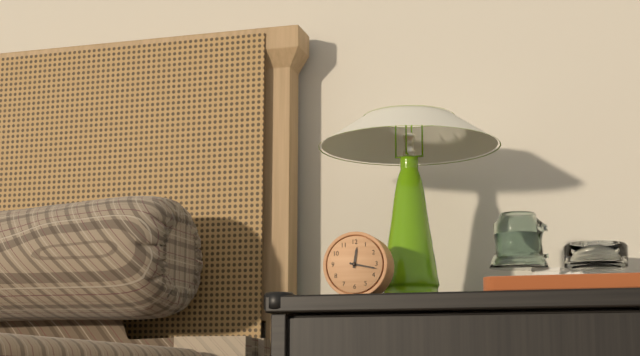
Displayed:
12,17
